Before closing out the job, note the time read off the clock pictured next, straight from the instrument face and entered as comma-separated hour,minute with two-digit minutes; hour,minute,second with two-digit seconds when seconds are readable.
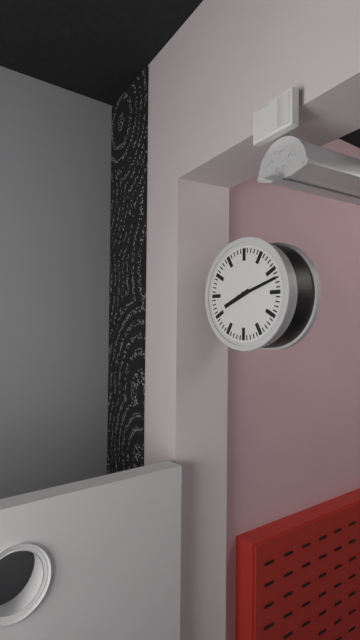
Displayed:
8,12
